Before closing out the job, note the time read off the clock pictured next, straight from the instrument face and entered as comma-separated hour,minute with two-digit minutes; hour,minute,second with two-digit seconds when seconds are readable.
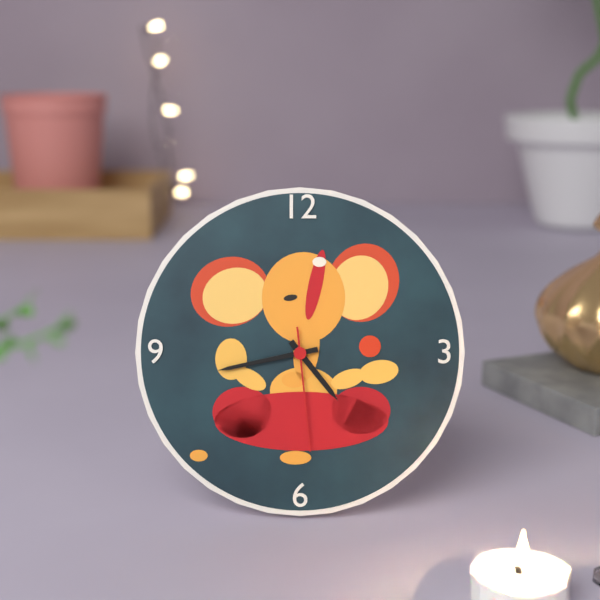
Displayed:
4,43,29
